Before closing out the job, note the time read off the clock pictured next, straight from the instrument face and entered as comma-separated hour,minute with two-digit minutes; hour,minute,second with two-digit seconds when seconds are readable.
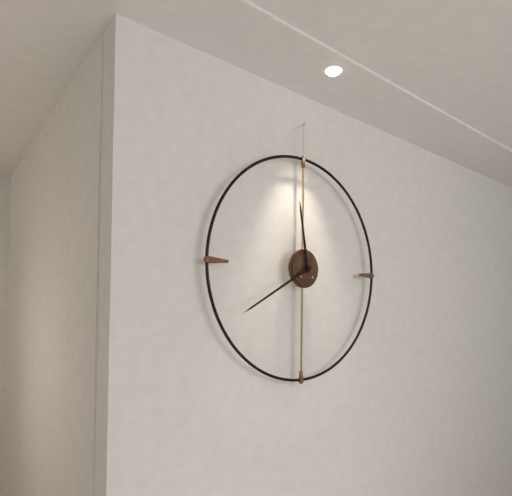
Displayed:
11,40
